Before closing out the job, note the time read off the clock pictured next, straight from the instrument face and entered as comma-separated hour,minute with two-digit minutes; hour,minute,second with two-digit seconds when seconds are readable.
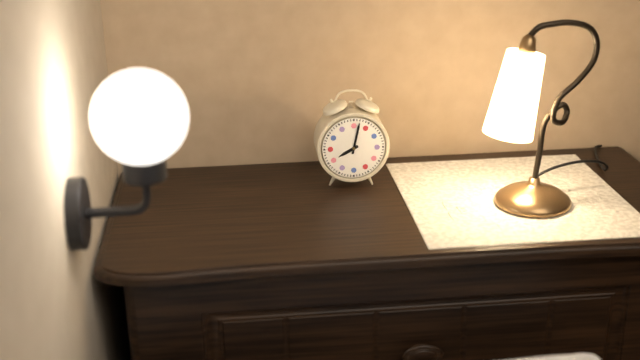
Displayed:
8,02
